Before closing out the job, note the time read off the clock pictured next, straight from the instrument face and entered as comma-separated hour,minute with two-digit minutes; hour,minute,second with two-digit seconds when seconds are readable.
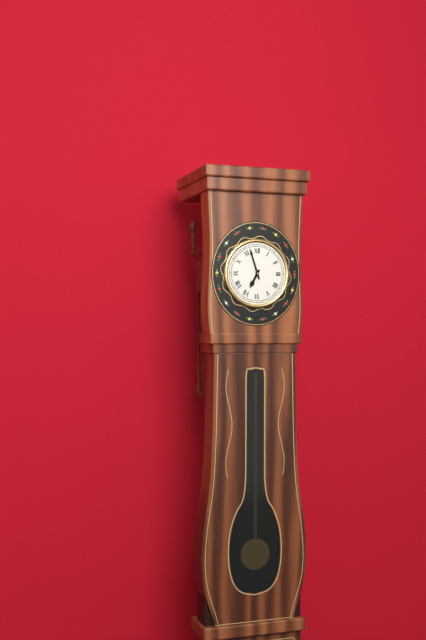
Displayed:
6,57
